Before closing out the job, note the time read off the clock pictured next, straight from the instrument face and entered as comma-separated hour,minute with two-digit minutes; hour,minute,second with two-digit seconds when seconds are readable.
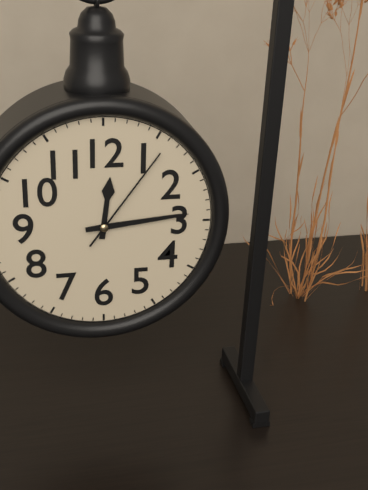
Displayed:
12,14,06
